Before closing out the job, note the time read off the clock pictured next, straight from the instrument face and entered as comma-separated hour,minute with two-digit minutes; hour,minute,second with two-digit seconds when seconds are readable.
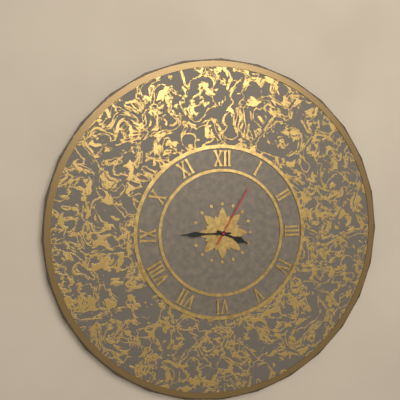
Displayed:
3,45,05
